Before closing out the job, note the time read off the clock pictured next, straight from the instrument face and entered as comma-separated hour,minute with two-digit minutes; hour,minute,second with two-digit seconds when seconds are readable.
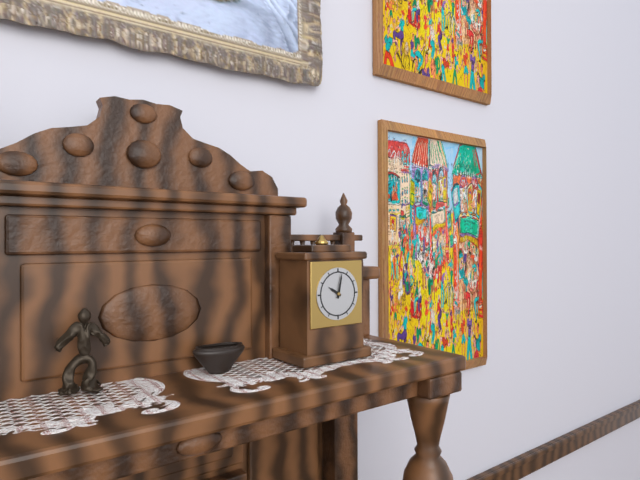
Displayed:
10,02
